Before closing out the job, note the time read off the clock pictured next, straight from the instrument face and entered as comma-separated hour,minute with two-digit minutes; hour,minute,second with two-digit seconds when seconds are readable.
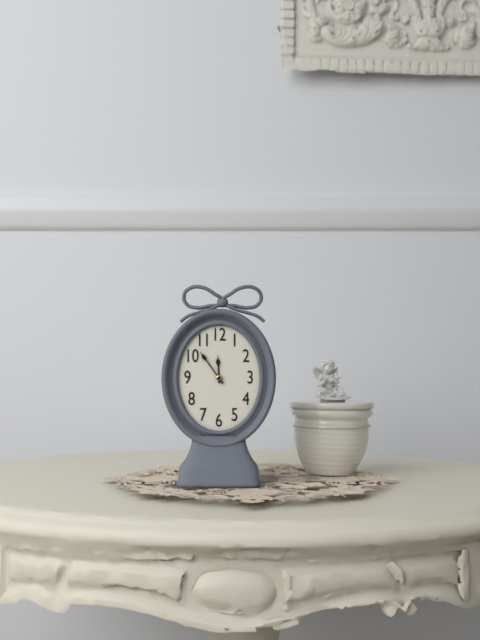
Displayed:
11,54
